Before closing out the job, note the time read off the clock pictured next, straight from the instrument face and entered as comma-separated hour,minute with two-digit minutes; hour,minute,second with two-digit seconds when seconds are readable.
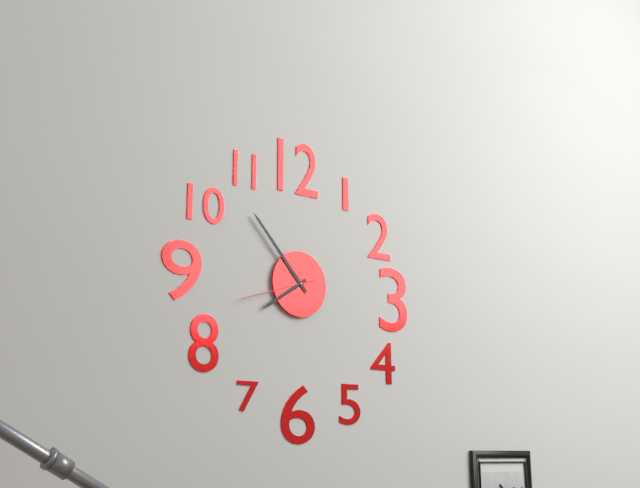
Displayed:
7,53,42
